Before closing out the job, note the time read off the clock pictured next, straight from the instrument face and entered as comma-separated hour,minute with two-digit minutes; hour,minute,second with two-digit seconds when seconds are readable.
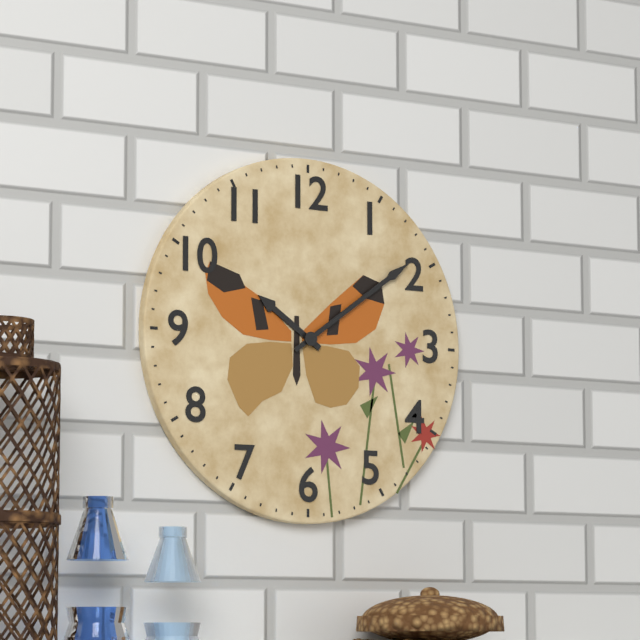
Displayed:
10,09
